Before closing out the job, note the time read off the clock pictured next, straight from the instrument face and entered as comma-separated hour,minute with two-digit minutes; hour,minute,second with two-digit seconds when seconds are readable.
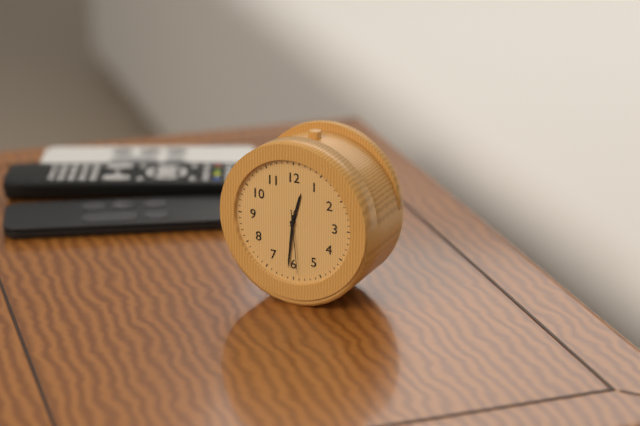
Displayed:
12,31,29
